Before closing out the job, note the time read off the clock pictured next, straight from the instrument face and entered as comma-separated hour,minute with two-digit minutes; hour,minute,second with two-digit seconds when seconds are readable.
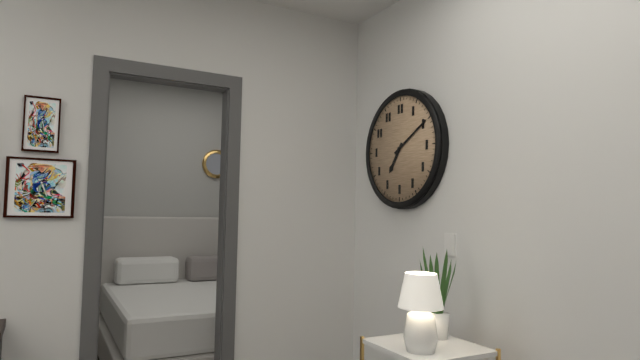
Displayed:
7,10
